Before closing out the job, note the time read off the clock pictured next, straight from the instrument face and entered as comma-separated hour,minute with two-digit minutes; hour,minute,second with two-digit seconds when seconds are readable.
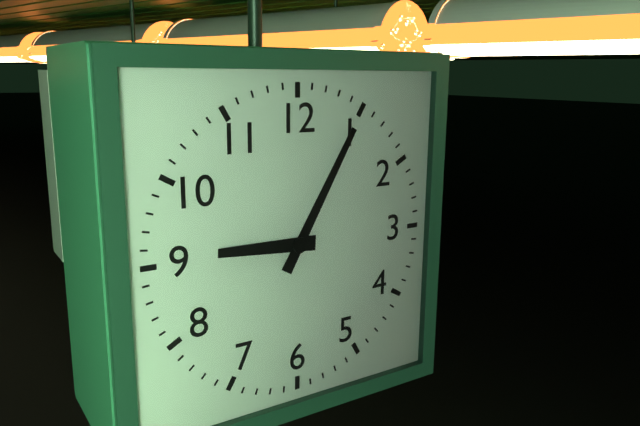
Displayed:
9,05
